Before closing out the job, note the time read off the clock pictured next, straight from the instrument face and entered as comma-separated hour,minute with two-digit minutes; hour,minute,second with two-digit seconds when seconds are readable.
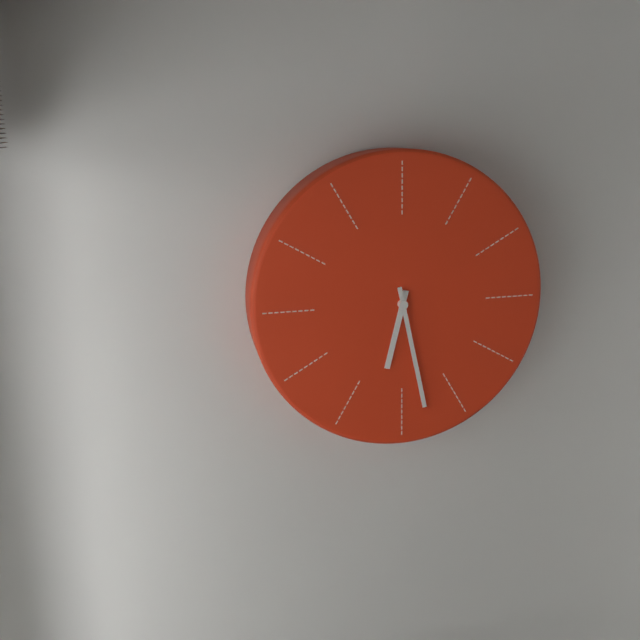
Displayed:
6,28
